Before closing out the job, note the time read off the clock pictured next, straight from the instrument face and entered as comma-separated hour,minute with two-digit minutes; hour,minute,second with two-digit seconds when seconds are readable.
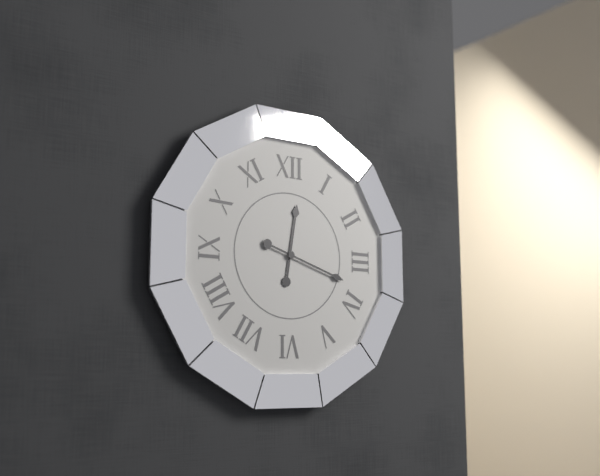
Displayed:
12,18
